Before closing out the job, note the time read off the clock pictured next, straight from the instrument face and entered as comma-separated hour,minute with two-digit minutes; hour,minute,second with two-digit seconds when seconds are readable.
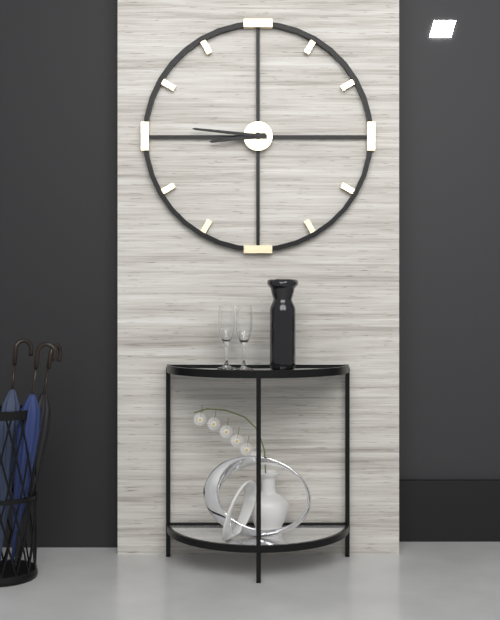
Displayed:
8,46
